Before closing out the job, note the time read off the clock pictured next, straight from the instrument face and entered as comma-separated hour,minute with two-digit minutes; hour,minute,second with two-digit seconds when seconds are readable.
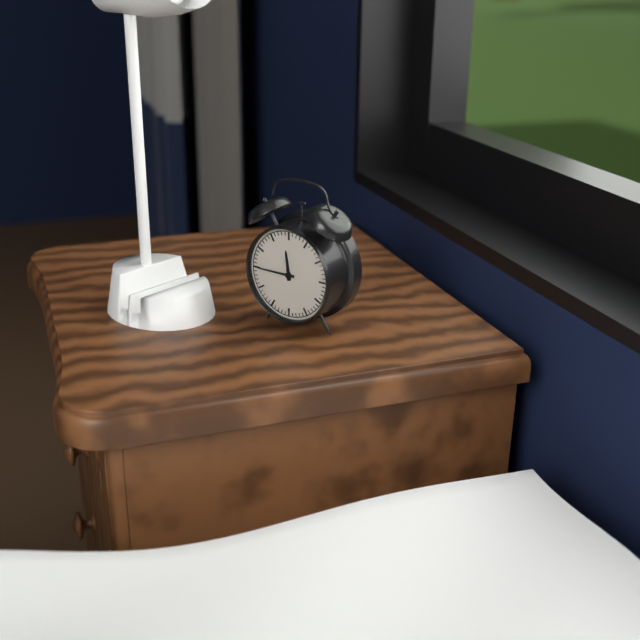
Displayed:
11,45
